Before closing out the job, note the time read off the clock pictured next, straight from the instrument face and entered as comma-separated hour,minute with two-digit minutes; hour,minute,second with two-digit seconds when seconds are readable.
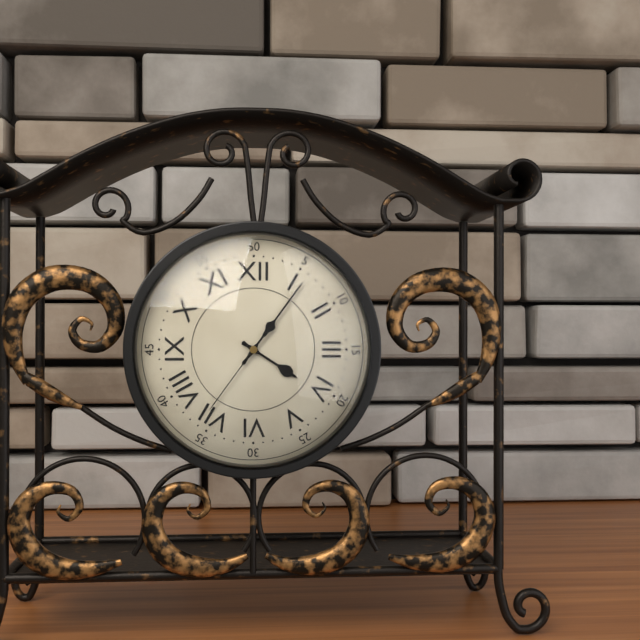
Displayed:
4,06,36
